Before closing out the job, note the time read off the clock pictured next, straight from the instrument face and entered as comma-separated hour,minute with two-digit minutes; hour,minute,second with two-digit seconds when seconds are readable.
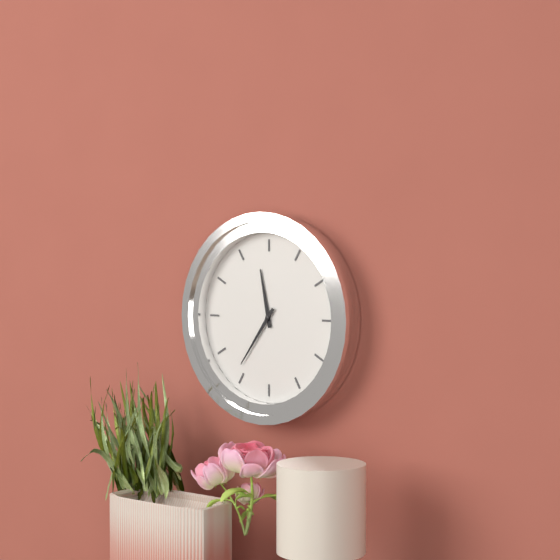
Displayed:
11,36
